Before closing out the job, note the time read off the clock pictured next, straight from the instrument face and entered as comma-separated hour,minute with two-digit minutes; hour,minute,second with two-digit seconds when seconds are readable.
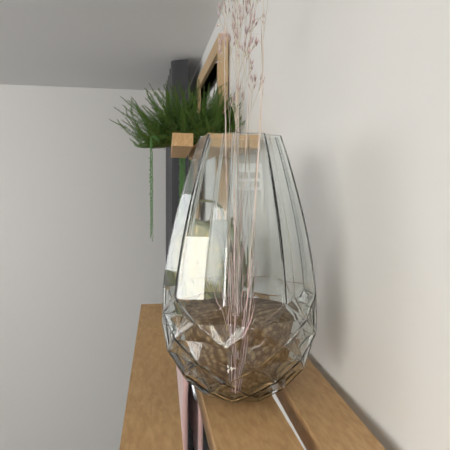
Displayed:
11,34
